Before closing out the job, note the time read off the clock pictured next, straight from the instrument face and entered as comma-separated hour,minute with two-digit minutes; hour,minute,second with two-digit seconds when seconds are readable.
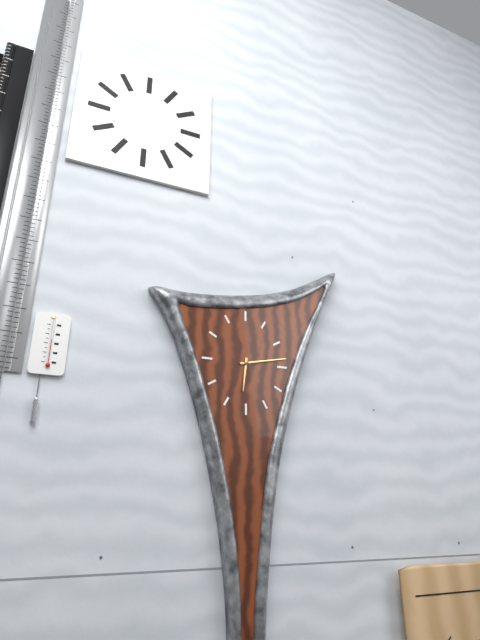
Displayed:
6,13
